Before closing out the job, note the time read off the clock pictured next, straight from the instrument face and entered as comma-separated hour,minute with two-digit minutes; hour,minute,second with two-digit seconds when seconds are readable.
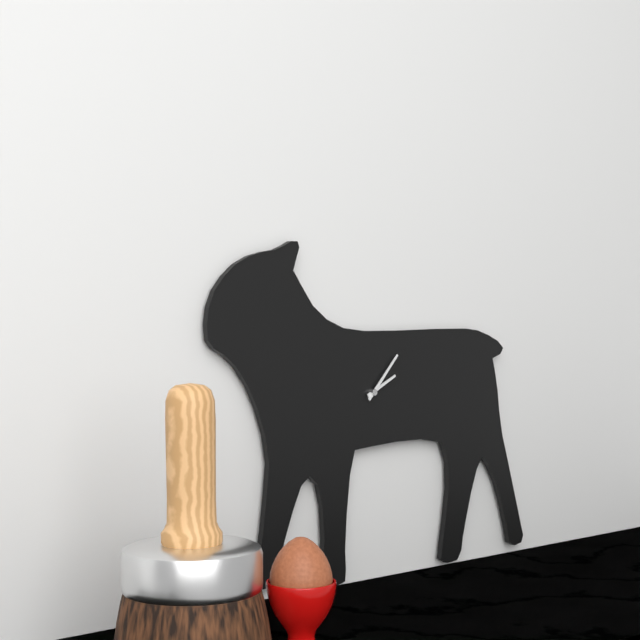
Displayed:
2,07
